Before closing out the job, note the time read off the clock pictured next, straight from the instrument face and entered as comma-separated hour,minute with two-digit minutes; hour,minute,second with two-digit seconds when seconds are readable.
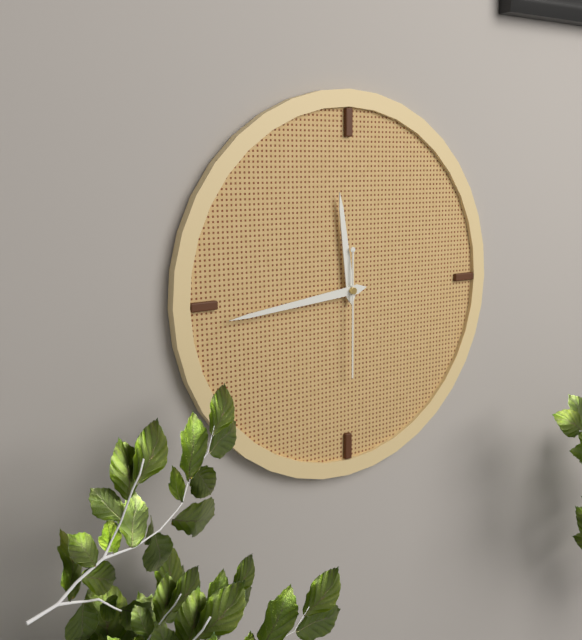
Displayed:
11,44,30
